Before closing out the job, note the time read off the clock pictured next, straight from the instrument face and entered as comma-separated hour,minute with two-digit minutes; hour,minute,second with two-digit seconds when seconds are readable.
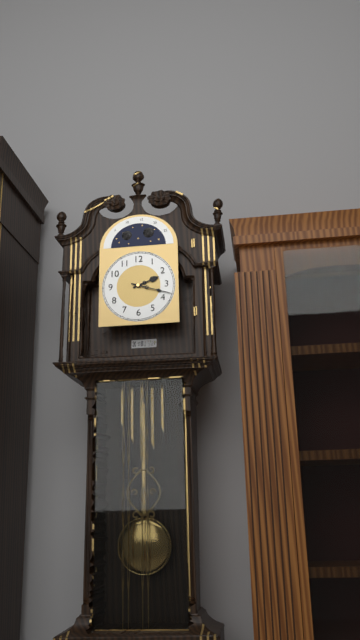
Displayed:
2,18
